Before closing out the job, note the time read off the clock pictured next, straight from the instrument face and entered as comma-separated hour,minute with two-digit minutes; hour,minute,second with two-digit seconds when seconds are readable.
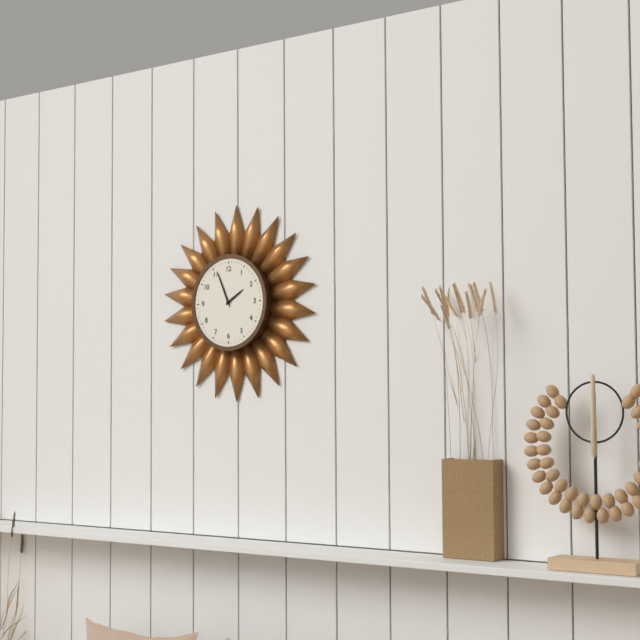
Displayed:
1,56
